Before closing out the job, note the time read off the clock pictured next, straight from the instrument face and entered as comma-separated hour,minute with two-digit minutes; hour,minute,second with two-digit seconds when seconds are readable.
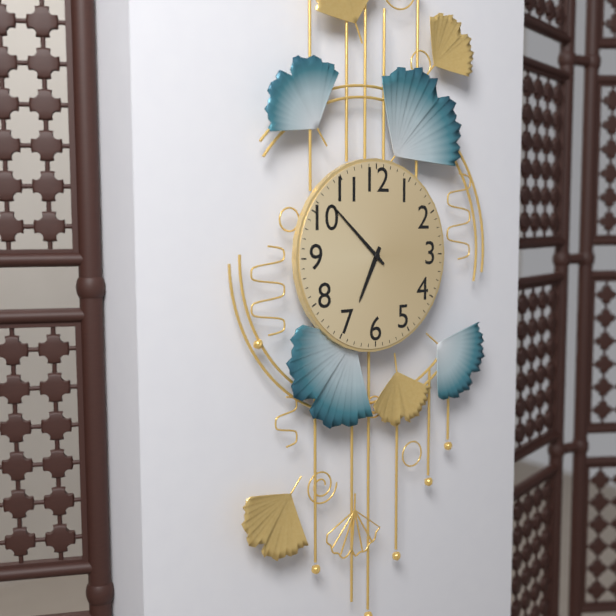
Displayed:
6,52
